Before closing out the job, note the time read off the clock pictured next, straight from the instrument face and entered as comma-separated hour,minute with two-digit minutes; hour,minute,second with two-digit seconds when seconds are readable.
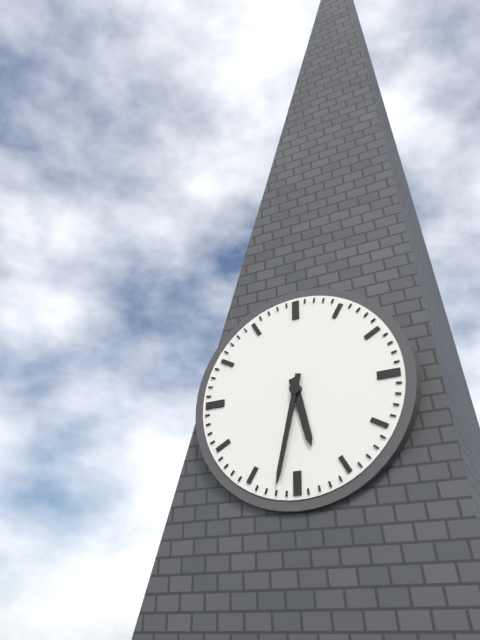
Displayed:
5,32
